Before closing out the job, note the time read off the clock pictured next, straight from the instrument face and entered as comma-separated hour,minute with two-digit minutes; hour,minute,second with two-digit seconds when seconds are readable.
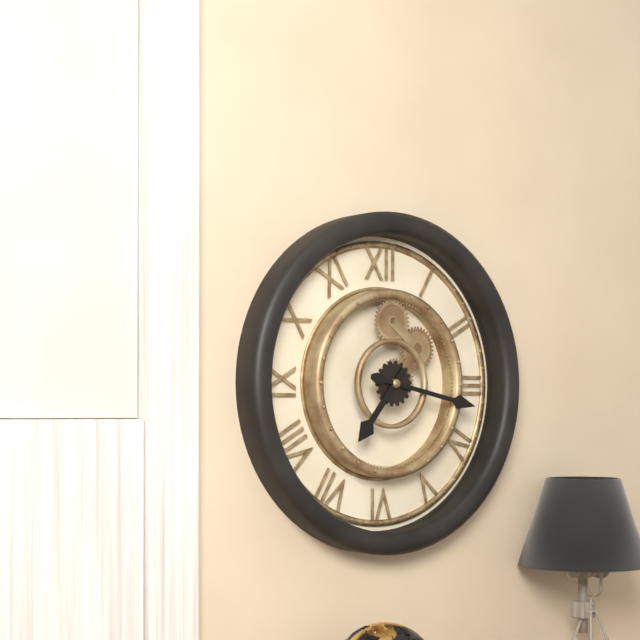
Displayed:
7,17
